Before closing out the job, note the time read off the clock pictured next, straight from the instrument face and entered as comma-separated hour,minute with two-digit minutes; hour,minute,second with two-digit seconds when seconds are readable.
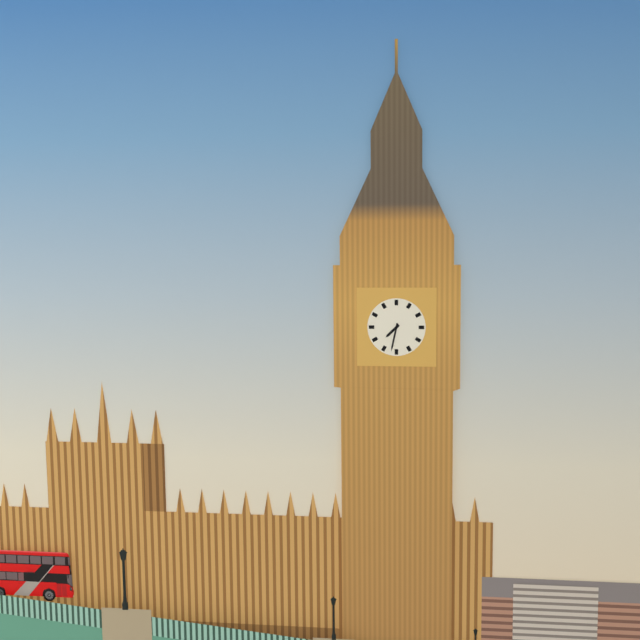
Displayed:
7,32
